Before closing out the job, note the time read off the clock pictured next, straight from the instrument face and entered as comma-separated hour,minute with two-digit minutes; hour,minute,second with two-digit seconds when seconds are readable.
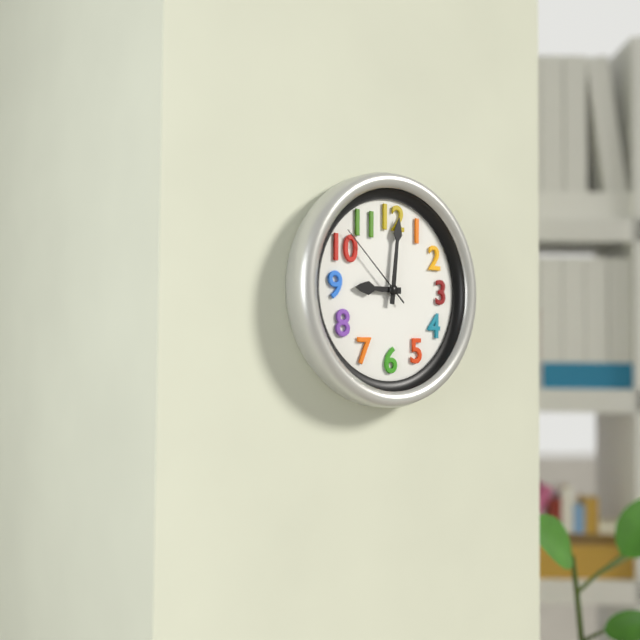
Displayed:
9,01,52
